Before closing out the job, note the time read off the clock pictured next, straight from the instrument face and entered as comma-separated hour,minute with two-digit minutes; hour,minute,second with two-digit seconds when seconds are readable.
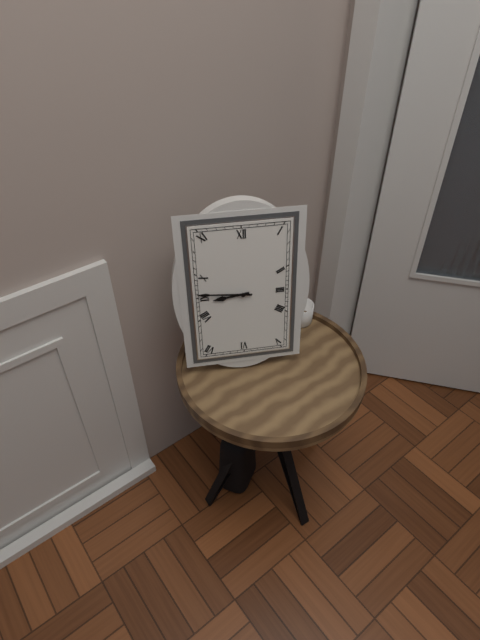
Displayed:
8,46
